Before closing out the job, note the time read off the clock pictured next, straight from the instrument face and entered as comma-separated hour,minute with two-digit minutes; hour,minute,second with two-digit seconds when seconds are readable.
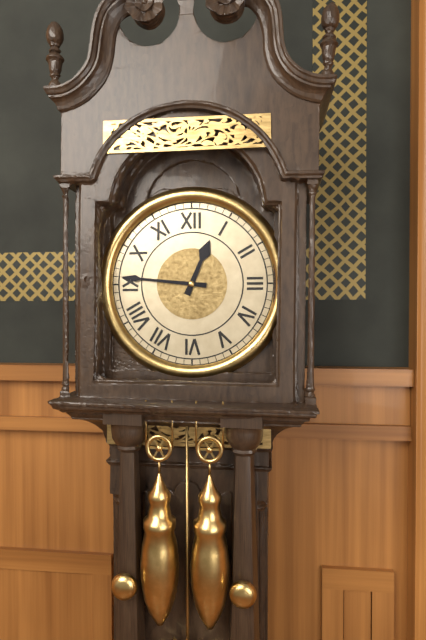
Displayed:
12,46
